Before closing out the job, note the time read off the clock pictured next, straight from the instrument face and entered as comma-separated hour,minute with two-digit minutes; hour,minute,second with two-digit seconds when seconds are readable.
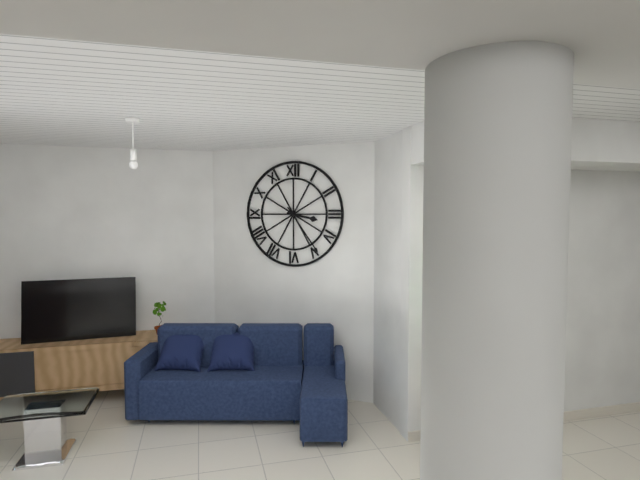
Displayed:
3,24
